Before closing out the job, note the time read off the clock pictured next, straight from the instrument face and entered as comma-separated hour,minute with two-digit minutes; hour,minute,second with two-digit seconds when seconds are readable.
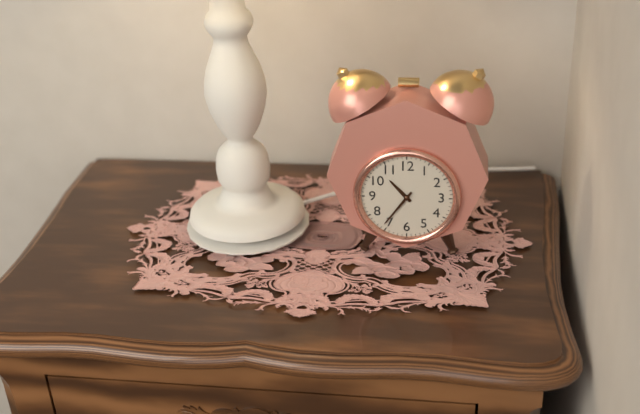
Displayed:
10,36
